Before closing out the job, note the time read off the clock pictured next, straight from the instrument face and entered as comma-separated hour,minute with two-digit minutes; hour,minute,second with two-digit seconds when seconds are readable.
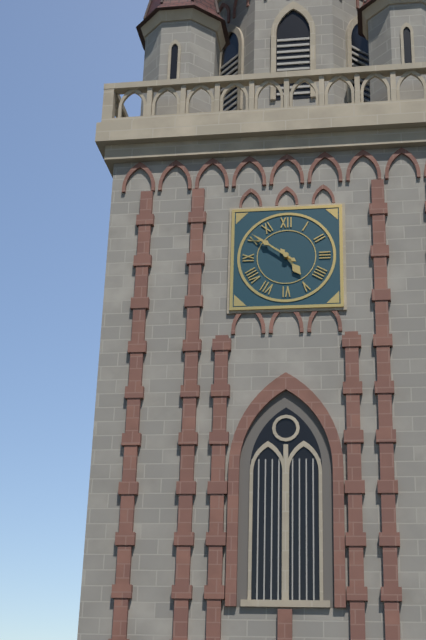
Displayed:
4,51
